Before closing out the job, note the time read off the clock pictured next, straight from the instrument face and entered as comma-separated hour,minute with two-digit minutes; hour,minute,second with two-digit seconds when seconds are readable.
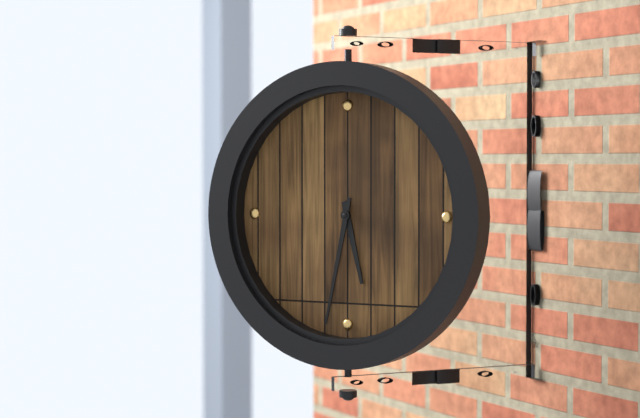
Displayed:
5,32
